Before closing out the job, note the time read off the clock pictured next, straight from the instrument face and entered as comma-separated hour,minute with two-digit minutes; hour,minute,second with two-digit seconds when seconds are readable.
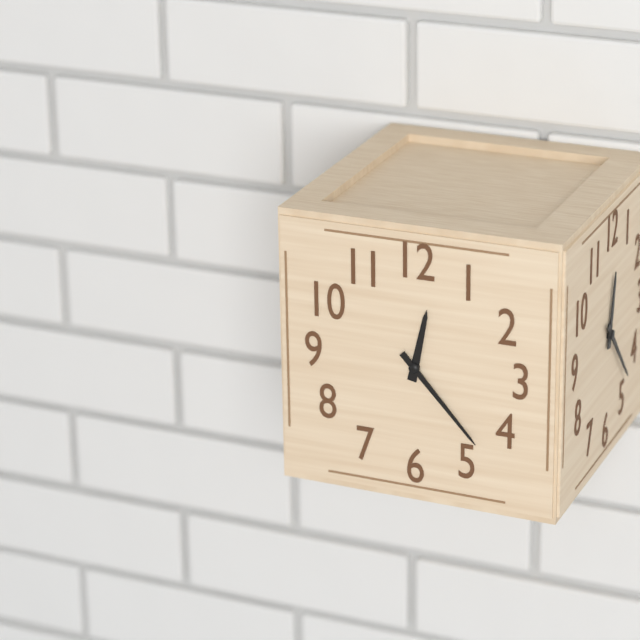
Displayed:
12,23
